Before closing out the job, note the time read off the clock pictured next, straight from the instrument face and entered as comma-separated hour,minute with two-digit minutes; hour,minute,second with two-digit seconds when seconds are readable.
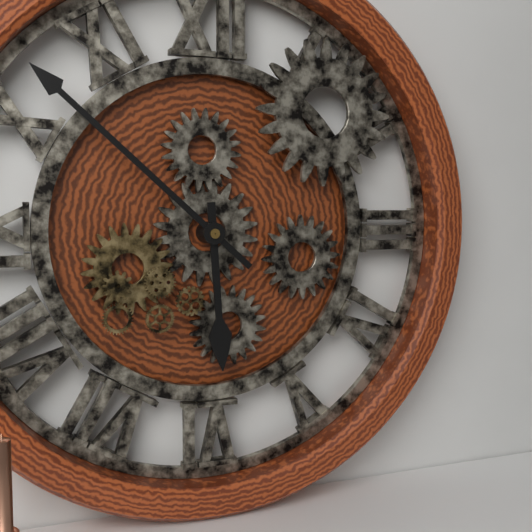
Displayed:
5,52
